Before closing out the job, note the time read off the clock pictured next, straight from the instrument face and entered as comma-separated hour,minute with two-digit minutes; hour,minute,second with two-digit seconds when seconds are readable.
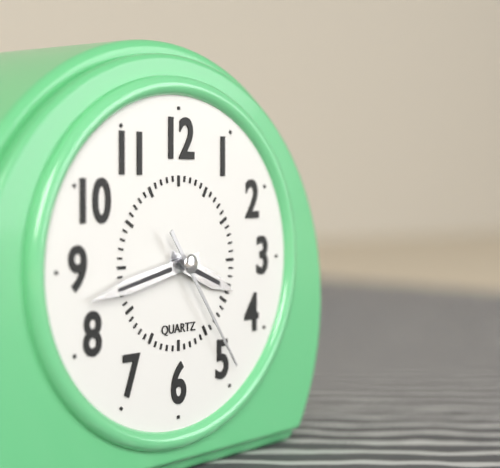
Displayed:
3,43,24
